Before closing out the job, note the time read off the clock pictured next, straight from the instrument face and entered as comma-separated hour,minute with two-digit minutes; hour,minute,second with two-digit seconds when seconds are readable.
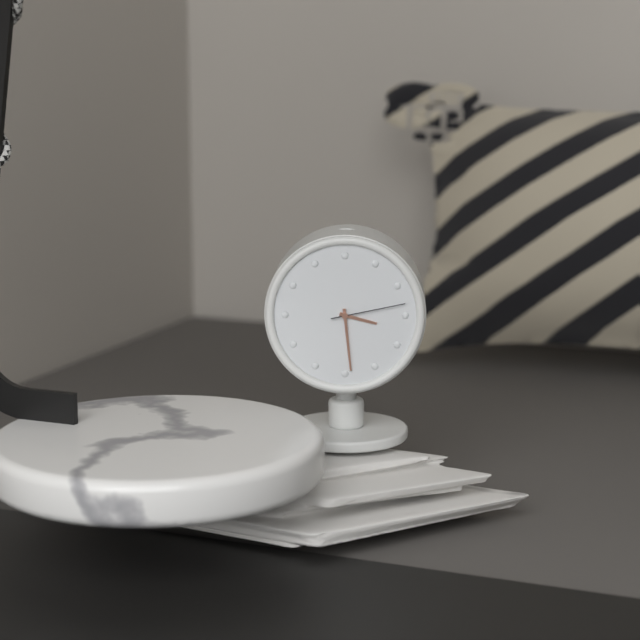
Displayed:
3,29,13
